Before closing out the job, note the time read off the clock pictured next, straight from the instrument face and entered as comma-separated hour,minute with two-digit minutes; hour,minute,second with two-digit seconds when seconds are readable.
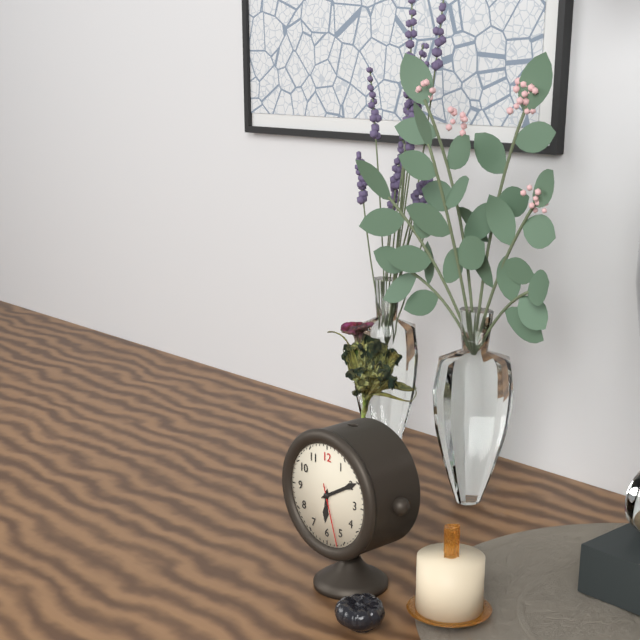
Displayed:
6,10,27
